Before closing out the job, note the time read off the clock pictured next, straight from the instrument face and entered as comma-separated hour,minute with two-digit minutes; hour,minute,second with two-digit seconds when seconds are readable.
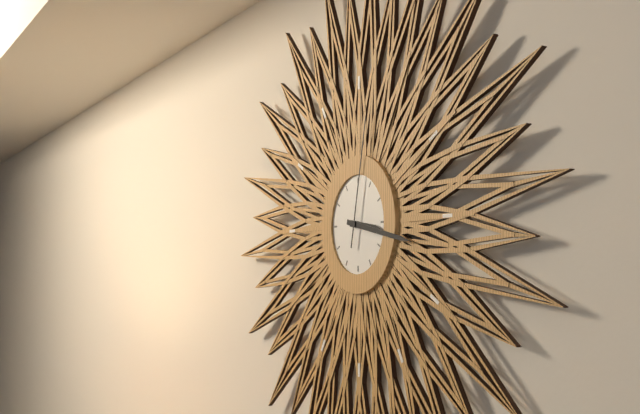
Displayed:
3,17,02
